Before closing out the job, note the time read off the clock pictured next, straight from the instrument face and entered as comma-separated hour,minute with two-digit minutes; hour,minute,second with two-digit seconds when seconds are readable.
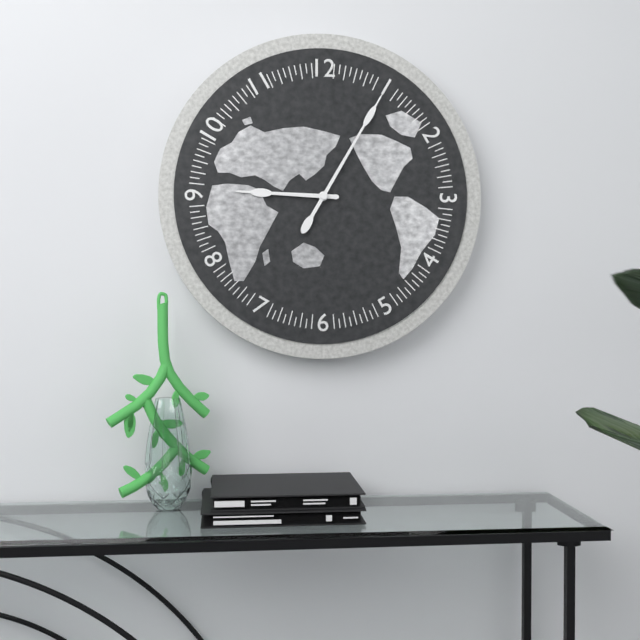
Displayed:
9,05
